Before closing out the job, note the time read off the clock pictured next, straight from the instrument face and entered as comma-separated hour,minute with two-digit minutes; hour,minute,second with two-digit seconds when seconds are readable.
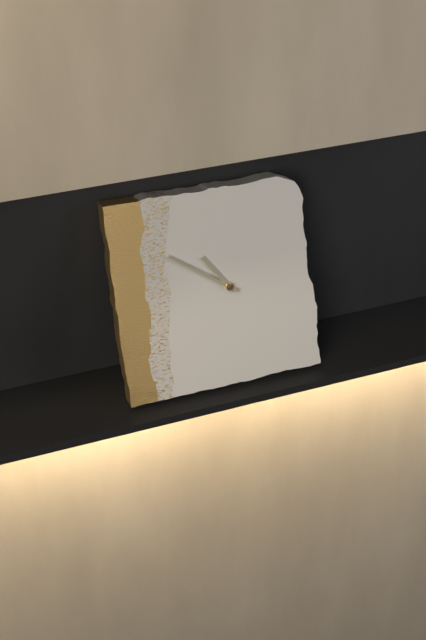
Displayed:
10,51
